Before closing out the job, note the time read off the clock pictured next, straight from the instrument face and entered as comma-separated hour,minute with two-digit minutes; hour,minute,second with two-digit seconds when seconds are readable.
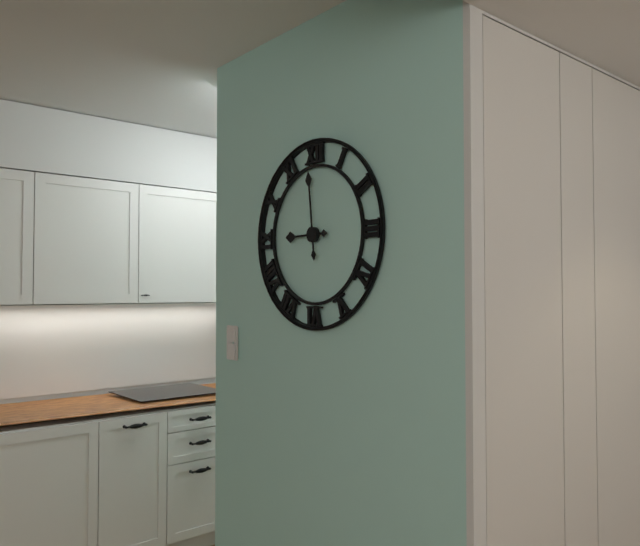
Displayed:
8,59
